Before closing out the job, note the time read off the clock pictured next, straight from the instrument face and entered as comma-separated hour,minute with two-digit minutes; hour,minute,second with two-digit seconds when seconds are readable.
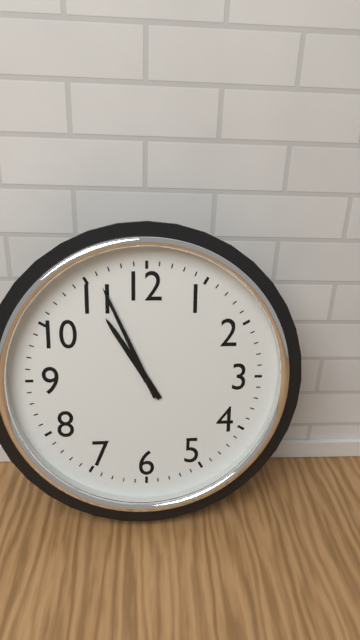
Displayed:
10,56
